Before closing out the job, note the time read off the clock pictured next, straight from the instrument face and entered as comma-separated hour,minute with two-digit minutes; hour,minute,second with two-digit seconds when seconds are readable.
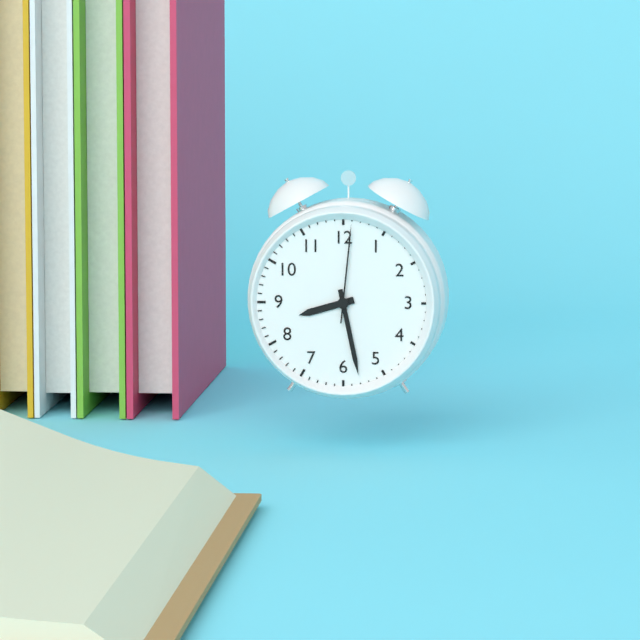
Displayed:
8,28,01
